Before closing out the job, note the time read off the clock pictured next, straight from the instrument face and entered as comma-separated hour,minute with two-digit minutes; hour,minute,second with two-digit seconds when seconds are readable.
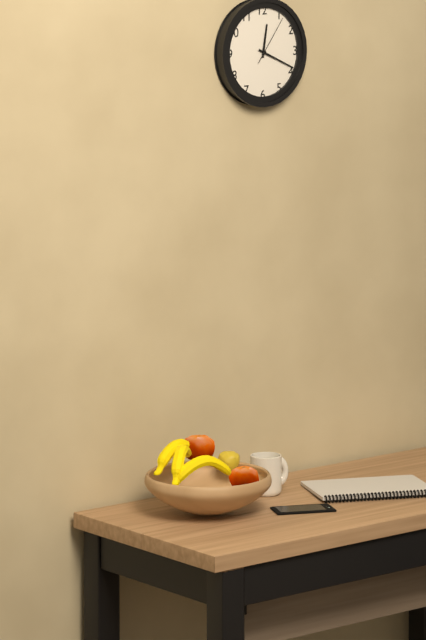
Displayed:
12,19
